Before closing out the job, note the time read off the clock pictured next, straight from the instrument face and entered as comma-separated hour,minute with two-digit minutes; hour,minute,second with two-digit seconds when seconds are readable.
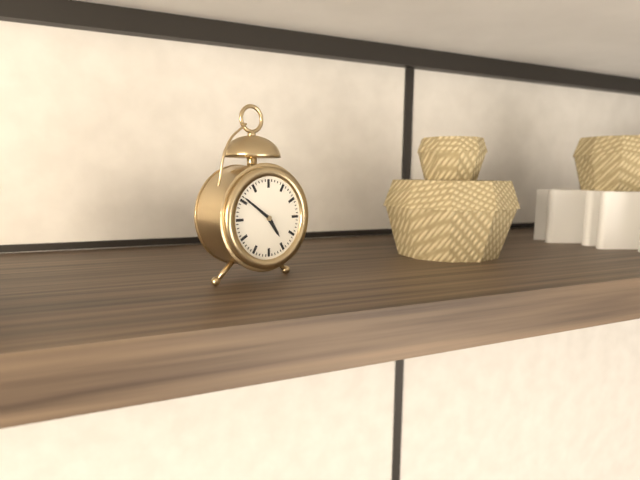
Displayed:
4,51
